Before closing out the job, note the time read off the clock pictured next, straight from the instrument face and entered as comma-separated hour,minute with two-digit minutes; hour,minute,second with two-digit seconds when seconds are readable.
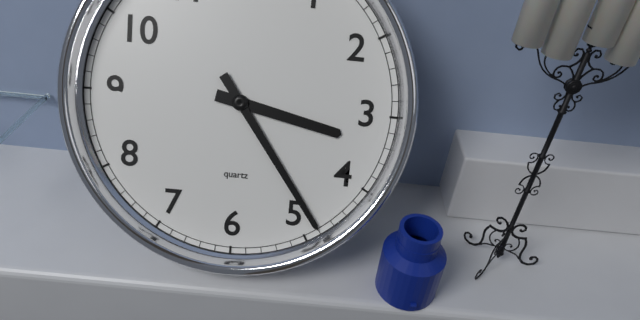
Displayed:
3,24
